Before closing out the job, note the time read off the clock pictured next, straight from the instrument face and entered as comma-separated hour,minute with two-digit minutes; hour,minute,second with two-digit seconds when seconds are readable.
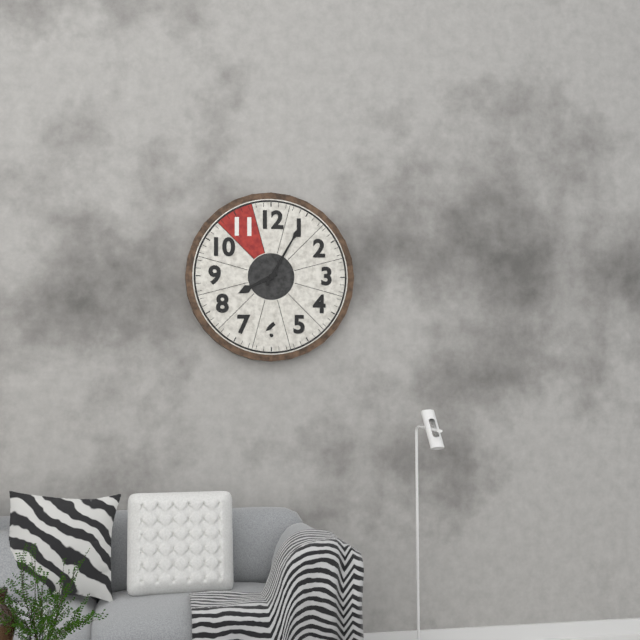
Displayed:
8,05
